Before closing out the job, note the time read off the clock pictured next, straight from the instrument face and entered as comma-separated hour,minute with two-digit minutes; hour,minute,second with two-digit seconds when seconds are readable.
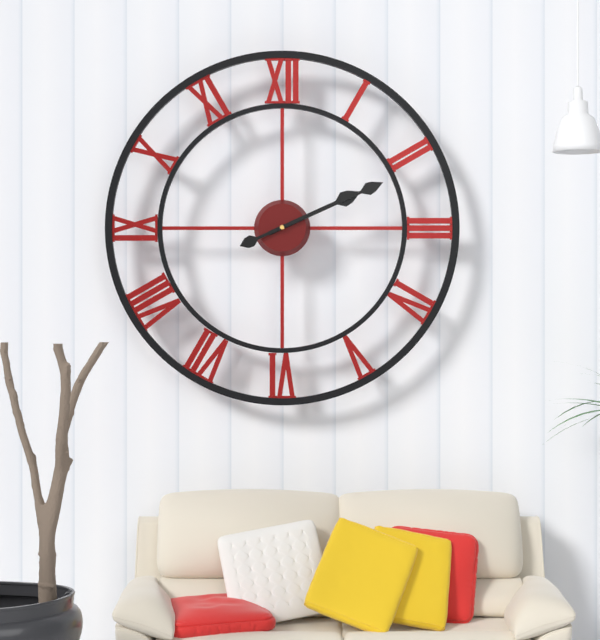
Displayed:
2,11
